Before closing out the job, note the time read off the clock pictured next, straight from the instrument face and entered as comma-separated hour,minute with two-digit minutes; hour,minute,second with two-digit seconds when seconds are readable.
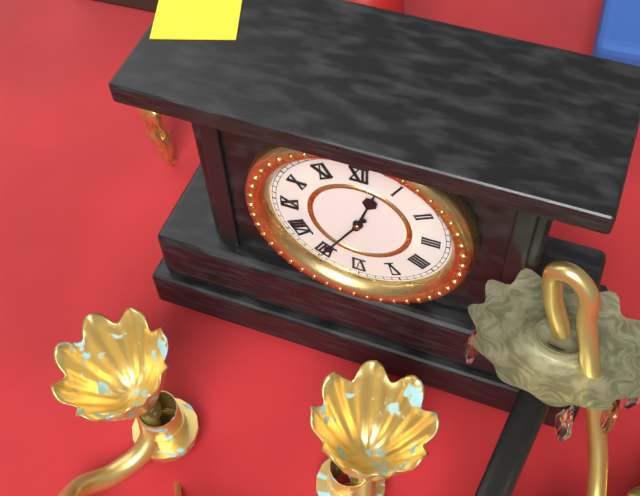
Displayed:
12,35
